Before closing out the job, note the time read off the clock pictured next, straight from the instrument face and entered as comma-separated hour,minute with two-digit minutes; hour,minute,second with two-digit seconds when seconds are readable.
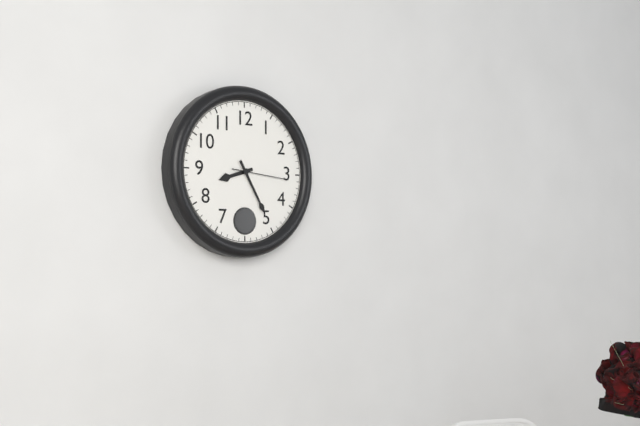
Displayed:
8,25,16
